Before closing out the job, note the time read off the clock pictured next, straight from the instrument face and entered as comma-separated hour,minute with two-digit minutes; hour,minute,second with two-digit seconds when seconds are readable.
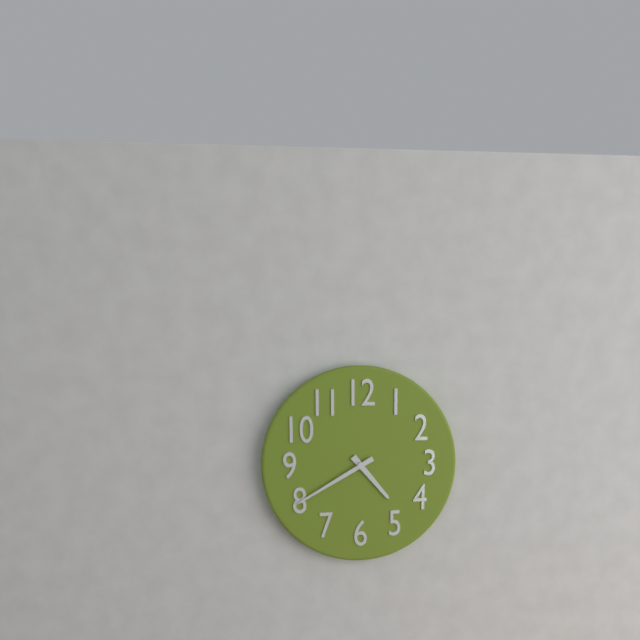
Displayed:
4,40
